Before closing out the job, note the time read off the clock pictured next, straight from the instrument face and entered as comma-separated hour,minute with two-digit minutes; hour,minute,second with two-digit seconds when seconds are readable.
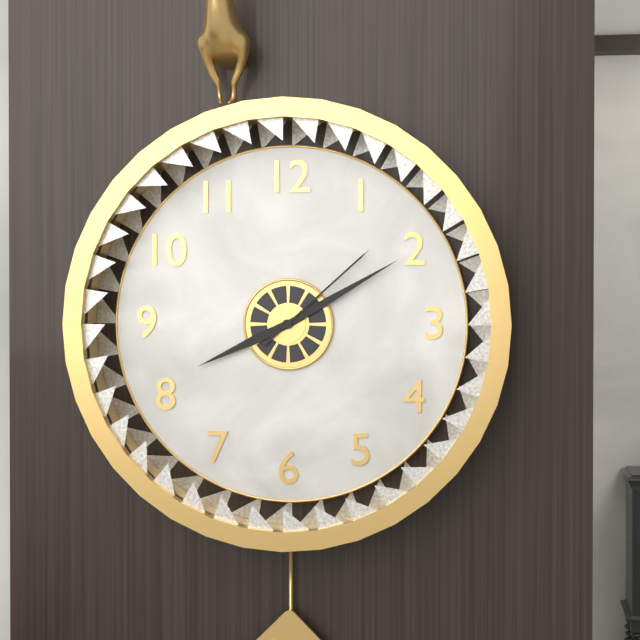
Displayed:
8,10,08
